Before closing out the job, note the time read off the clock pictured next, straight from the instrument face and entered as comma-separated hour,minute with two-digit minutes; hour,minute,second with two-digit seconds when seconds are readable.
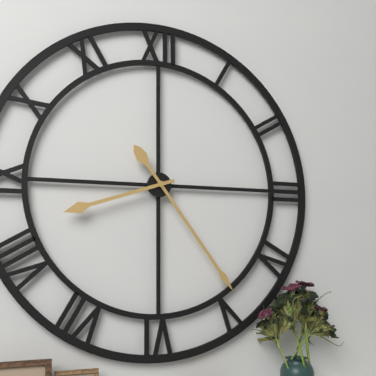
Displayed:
8,24
